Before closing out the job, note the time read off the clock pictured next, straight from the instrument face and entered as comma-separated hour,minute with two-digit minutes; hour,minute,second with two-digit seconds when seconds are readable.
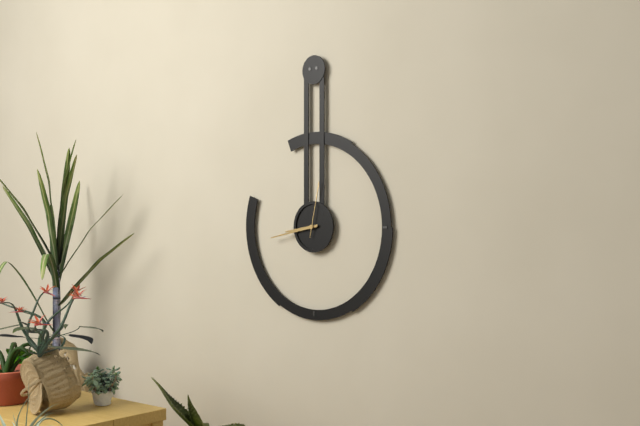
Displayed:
8,43,02
